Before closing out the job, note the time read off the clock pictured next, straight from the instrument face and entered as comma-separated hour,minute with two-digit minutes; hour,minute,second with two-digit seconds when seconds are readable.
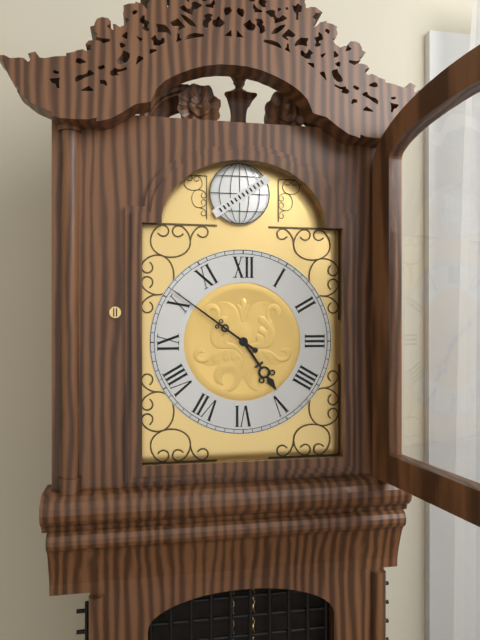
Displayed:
4,51
